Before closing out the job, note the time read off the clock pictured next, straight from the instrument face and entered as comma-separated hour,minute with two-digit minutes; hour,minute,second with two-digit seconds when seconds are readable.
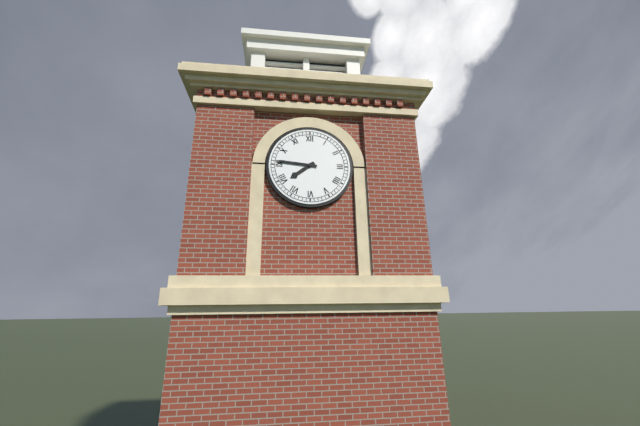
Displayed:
7,46
